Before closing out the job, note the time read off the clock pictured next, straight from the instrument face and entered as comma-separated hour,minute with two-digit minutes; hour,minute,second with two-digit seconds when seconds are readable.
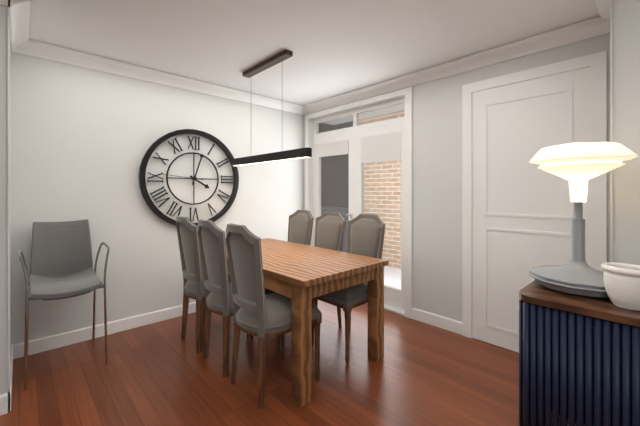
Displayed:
4,03
